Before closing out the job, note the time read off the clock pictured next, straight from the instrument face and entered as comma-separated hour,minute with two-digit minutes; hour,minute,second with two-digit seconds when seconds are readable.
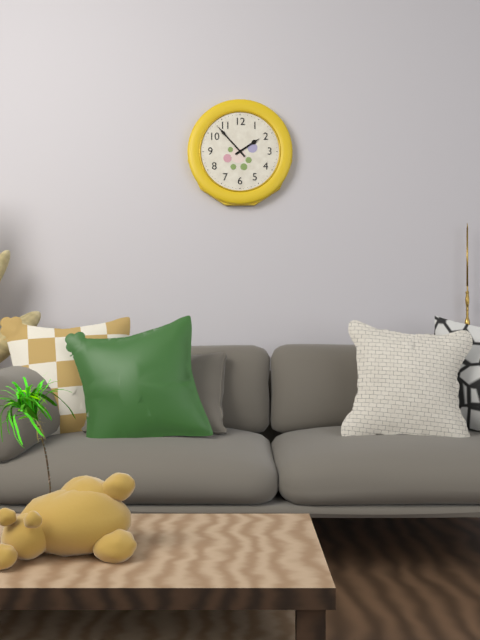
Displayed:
1,53
